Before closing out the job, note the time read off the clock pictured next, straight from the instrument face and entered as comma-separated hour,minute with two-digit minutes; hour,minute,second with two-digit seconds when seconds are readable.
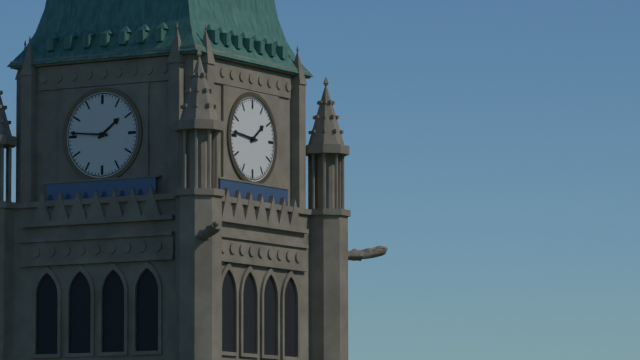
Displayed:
1,46
